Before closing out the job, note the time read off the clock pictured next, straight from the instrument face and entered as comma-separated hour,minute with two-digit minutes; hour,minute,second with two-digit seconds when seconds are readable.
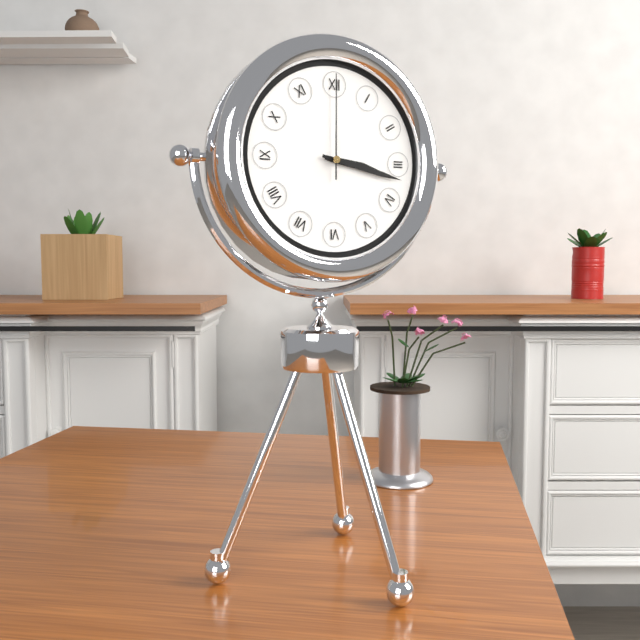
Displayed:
3,17,00
